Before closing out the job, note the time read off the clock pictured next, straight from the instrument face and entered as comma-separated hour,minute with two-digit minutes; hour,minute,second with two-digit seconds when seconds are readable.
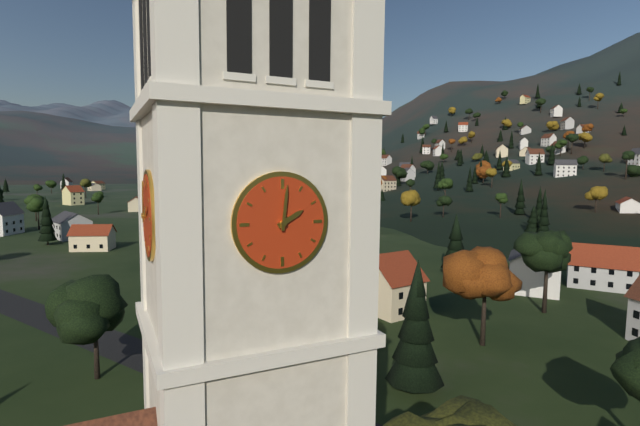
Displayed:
2,01
